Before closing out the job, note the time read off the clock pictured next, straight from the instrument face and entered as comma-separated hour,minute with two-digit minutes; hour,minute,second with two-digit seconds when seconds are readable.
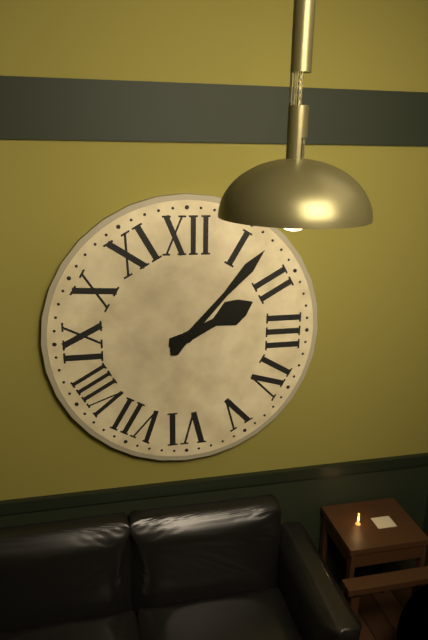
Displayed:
2,07
